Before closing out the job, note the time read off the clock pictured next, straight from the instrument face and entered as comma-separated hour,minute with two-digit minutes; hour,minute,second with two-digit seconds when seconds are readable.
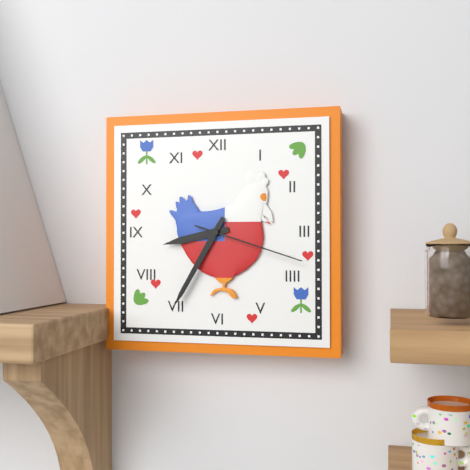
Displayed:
8,35,18
